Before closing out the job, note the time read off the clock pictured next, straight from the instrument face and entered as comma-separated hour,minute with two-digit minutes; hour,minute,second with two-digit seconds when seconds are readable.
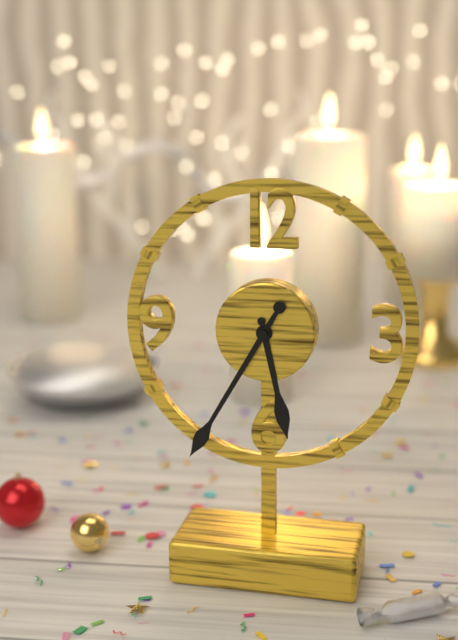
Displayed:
5,35
